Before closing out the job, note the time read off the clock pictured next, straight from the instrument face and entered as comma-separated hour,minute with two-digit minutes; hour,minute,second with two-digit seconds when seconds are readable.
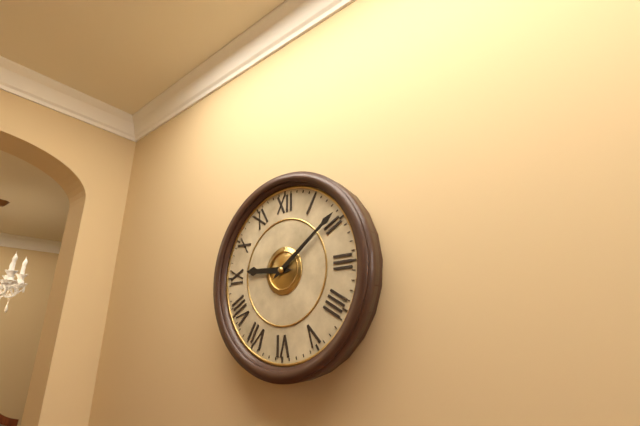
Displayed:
9,09
